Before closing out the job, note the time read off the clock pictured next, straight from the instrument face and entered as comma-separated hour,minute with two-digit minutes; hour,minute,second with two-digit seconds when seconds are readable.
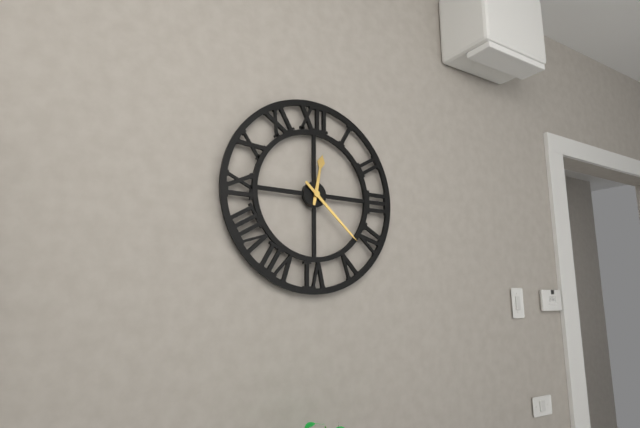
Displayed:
12,22
